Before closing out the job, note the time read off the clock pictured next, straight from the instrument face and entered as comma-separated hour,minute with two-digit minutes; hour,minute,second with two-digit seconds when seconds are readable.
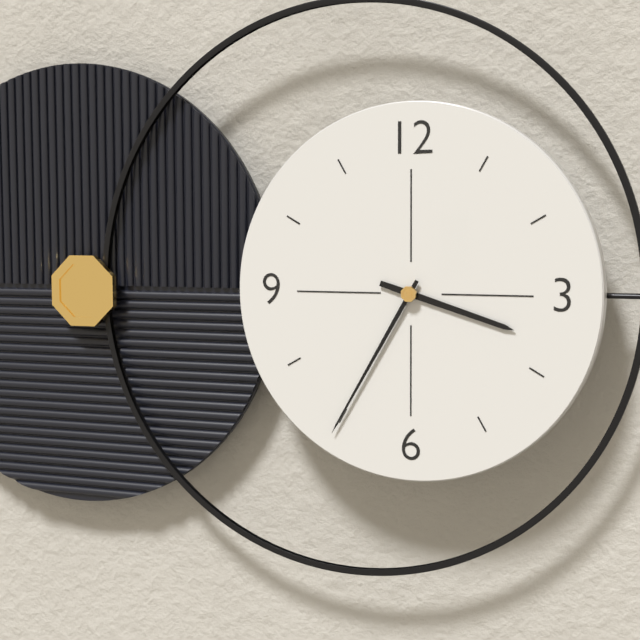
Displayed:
3,35
